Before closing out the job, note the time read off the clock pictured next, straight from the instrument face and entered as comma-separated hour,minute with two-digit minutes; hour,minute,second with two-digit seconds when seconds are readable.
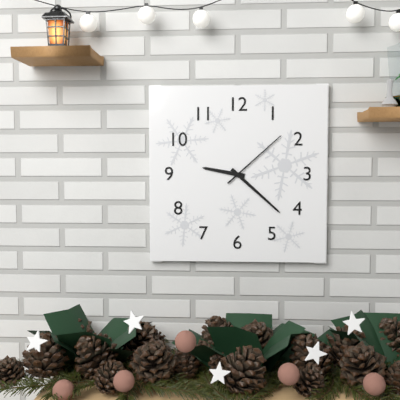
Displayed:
9,22,08
